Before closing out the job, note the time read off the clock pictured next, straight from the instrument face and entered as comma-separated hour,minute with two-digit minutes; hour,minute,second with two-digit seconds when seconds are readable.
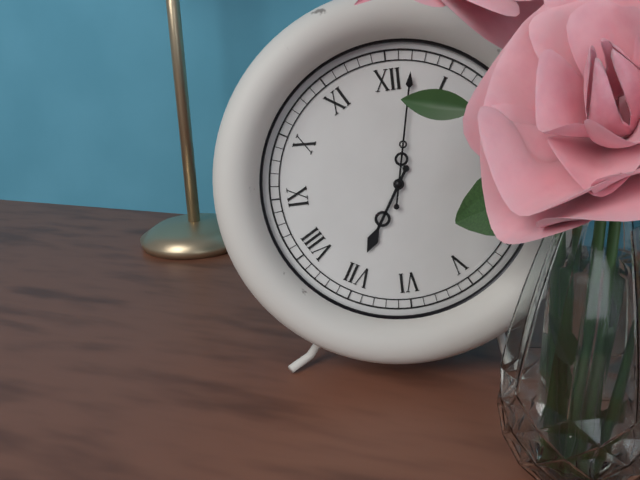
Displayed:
7,02
